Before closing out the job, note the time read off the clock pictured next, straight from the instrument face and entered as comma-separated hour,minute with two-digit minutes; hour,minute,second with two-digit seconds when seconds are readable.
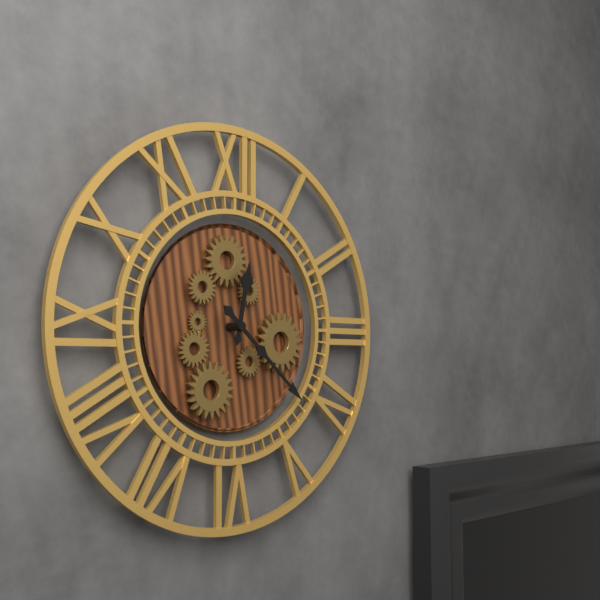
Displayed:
12,22
